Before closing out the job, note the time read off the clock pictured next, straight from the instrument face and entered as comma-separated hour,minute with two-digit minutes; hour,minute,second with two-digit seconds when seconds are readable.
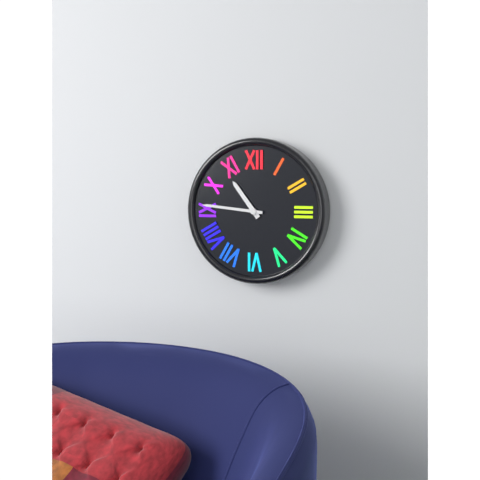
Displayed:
10,46
